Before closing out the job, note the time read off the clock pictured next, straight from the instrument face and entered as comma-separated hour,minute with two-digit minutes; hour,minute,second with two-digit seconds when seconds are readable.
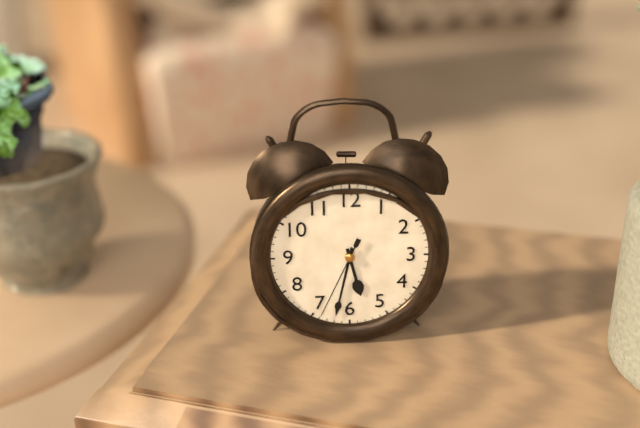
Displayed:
5,32,34
